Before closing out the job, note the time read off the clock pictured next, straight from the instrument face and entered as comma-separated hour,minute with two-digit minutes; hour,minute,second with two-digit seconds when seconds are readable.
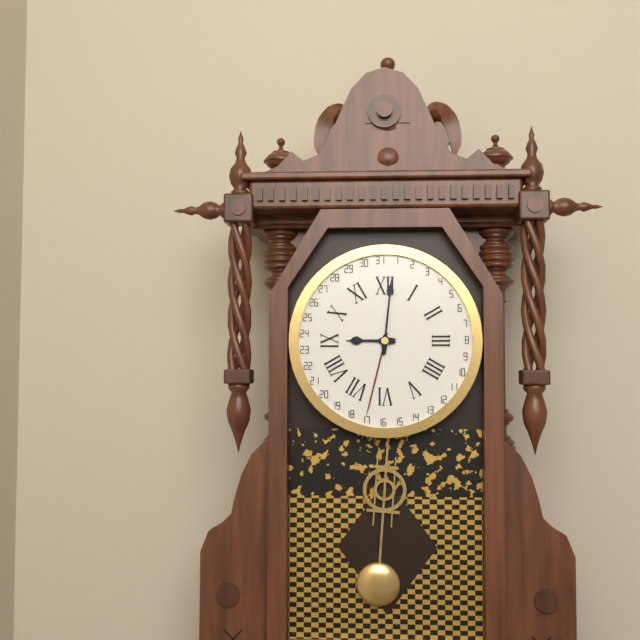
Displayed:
9,01
